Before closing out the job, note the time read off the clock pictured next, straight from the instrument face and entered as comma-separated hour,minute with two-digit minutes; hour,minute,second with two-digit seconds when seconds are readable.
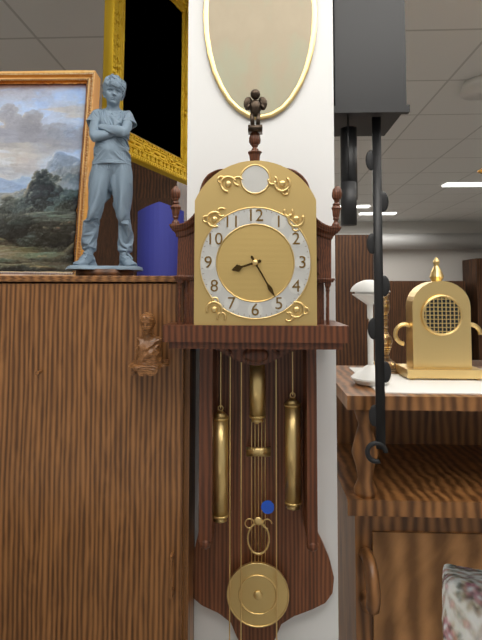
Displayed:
8,25
